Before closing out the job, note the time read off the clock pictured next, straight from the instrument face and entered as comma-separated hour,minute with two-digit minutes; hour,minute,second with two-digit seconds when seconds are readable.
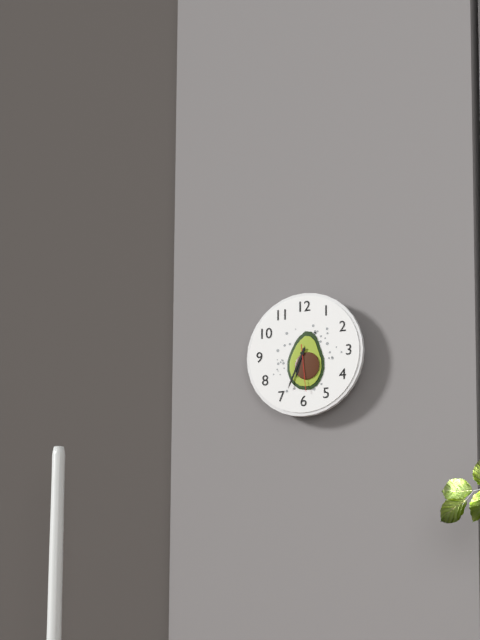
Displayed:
6,34
